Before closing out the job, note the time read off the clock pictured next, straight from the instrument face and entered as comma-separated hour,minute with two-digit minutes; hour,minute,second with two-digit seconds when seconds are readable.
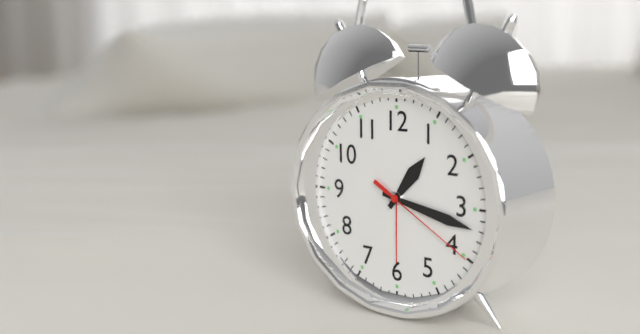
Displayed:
1,17,20
